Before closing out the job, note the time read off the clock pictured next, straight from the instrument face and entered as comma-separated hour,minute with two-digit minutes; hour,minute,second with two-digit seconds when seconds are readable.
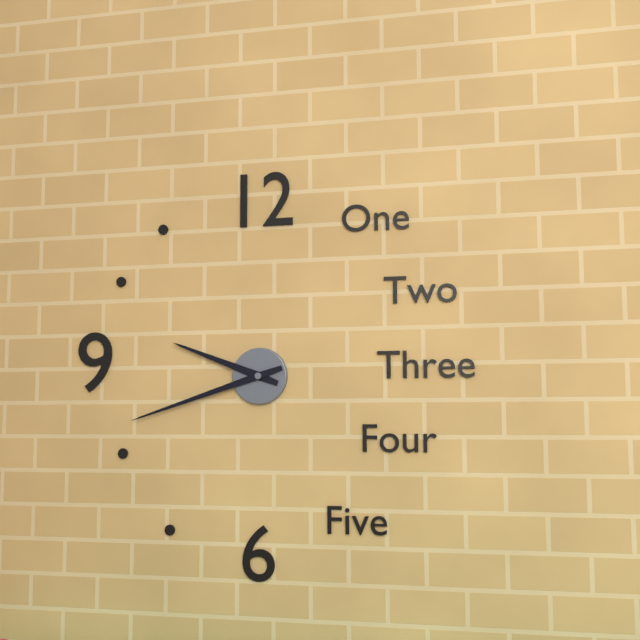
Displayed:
9,42
